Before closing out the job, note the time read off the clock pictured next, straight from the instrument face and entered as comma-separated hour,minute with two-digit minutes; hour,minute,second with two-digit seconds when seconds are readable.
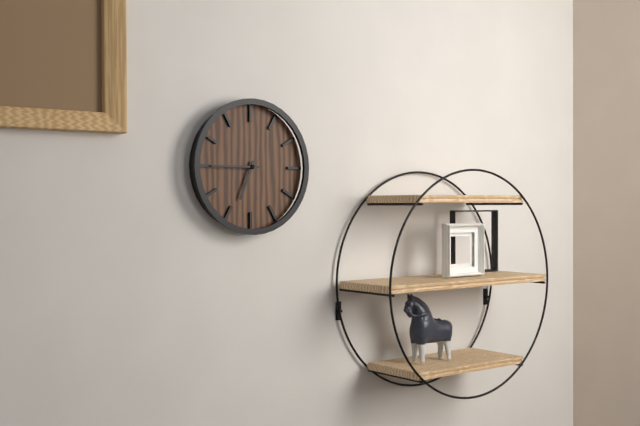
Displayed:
6,45
